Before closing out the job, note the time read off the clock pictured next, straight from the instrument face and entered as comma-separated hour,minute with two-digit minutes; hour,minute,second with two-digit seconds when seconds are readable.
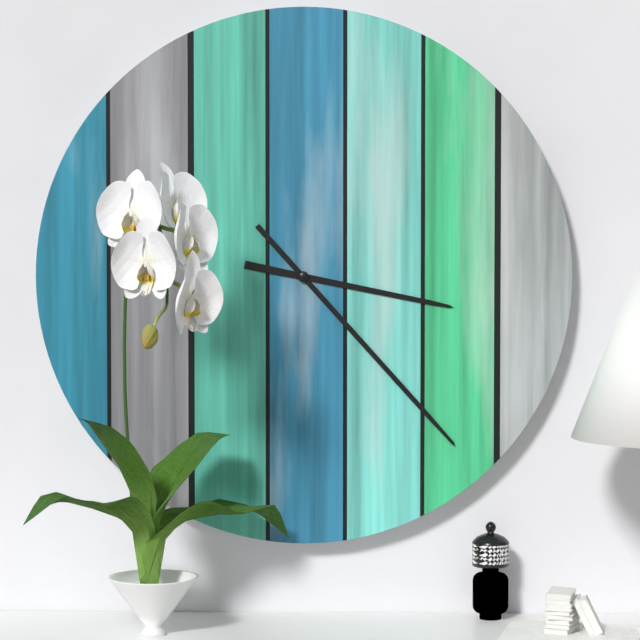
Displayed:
3,23
